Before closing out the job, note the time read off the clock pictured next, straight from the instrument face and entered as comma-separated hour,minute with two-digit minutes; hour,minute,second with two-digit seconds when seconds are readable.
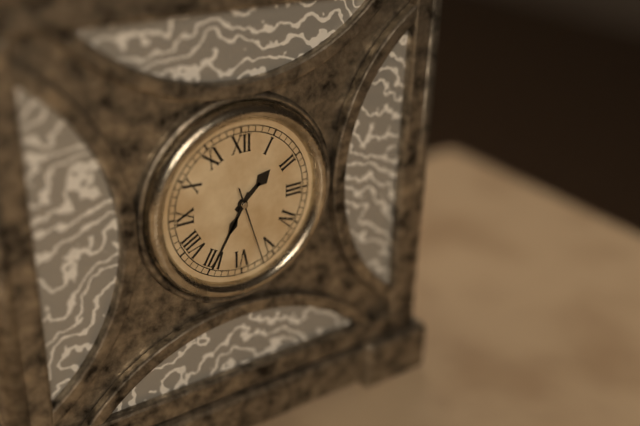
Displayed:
1,35,27
